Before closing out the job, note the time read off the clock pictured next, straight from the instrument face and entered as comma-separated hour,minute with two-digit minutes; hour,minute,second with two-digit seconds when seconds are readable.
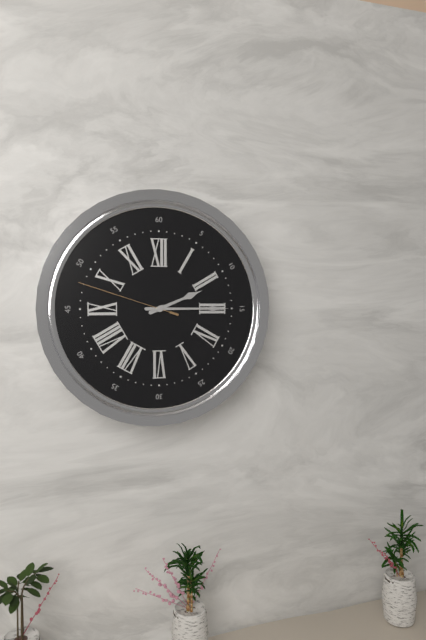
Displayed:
2,15,48
